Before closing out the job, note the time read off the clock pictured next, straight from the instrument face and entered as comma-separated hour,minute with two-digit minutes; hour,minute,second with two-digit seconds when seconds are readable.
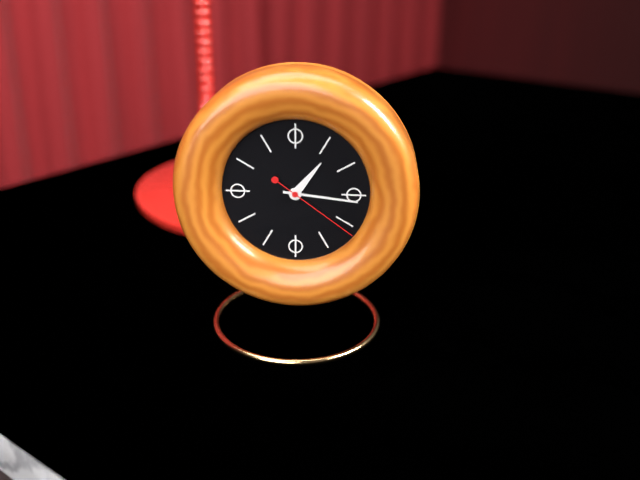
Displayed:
1,16,21
